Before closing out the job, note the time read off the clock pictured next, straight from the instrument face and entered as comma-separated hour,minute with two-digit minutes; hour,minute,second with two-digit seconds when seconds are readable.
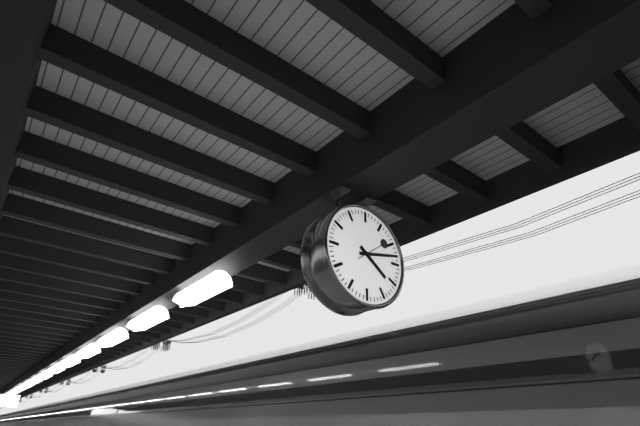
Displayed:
4,13
